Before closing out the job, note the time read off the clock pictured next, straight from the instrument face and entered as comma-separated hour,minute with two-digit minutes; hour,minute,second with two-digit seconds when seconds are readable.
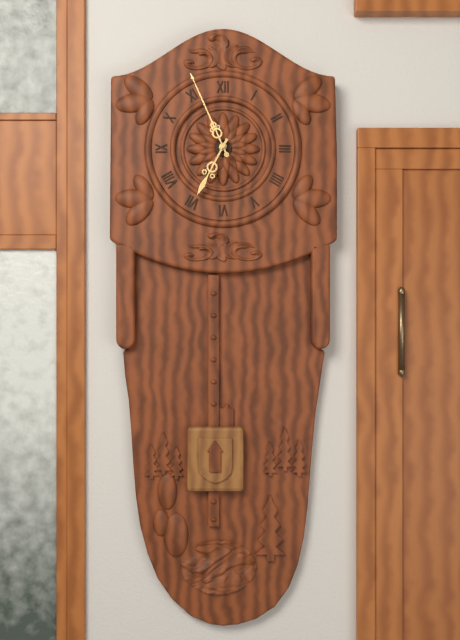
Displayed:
6,56
